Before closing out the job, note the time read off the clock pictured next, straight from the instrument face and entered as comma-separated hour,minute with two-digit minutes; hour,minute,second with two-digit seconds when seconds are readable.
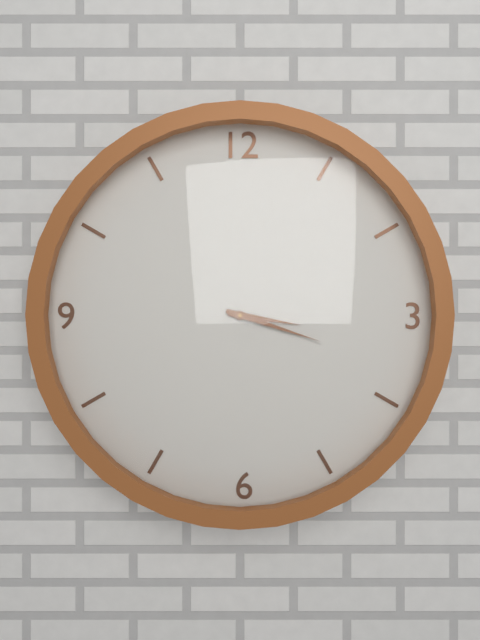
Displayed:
3,18
